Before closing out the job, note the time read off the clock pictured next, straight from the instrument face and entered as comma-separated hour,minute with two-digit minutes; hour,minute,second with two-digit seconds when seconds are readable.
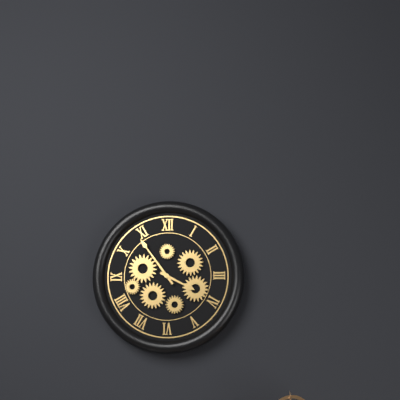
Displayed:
3,54
